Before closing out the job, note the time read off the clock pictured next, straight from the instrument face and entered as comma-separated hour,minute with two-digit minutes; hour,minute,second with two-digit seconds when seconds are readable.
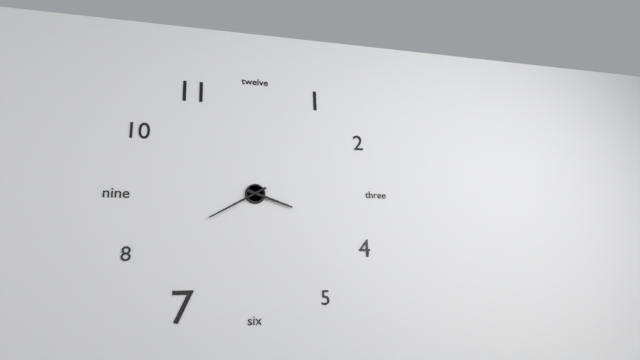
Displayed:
3,40
